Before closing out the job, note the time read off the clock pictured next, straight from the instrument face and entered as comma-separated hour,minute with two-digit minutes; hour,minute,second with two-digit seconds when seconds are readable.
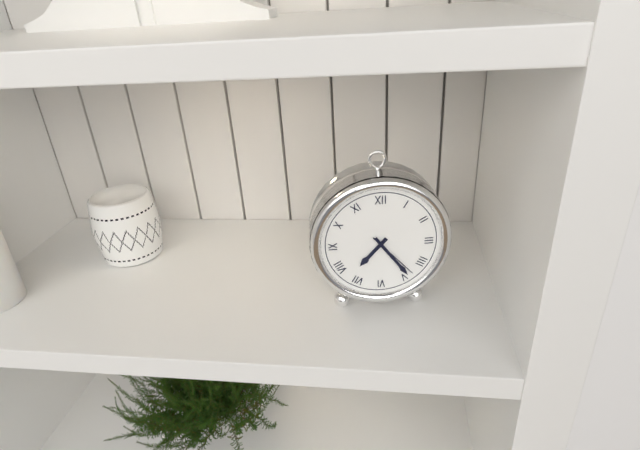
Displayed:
7,24,23
